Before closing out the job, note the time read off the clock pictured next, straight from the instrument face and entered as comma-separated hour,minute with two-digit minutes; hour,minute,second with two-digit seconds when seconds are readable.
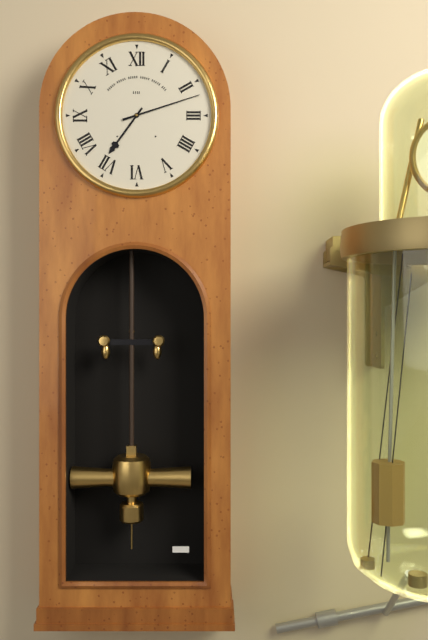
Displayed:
7,12
